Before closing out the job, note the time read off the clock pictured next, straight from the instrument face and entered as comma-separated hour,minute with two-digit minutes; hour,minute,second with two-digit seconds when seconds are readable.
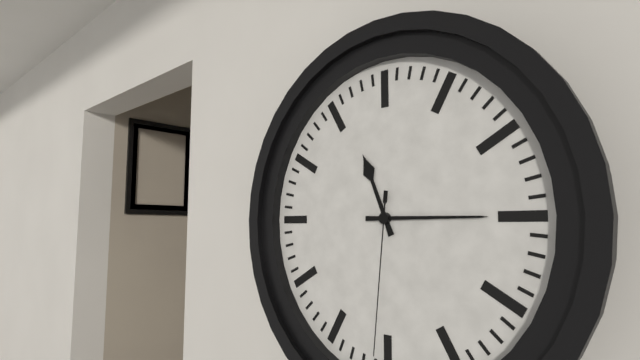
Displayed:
11,15,31
